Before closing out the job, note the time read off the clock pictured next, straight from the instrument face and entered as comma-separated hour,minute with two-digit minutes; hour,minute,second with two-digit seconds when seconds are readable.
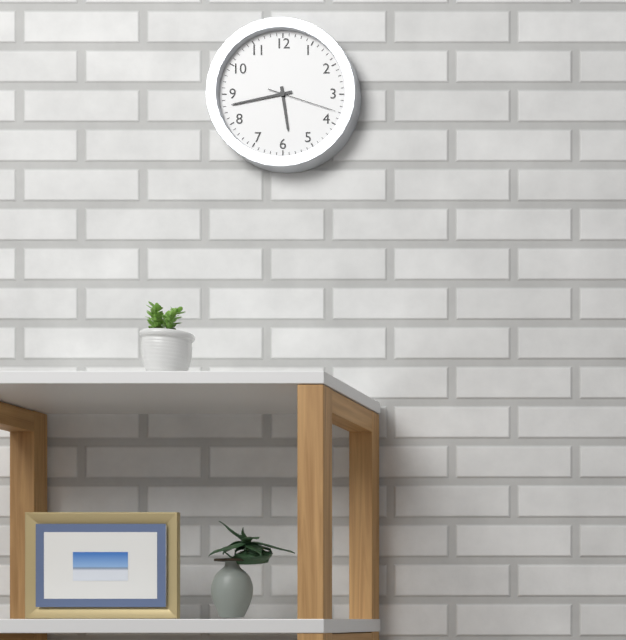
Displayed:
5,43,18
